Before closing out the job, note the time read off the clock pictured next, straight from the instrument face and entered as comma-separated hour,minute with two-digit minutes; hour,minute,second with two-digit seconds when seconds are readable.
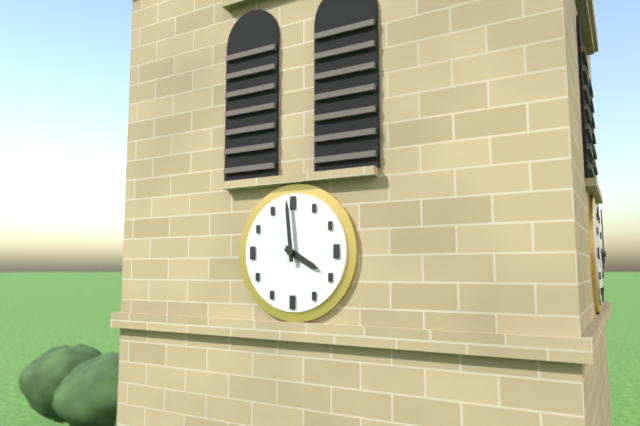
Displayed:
3,59
